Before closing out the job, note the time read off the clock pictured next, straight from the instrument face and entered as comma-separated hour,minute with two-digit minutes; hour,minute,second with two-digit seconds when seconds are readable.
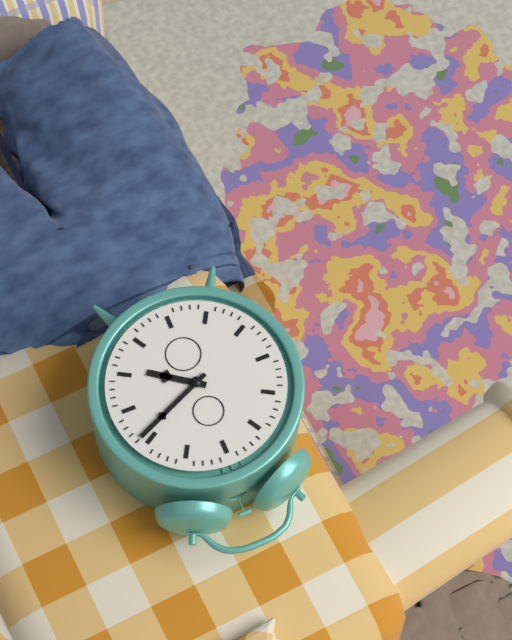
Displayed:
4,11
